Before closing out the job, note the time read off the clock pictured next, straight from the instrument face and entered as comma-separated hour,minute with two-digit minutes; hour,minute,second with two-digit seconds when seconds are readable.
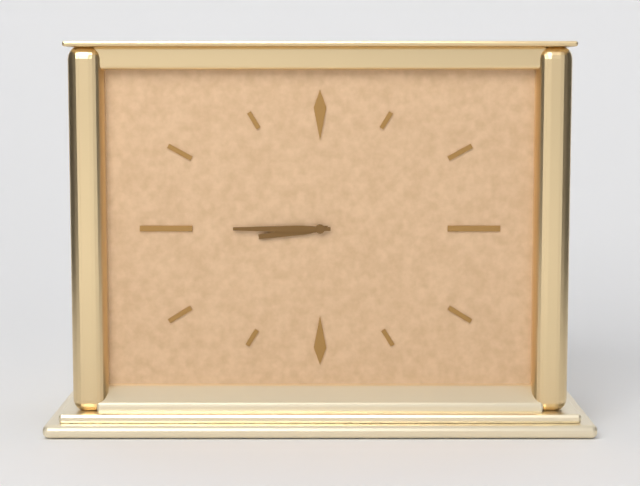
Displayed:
8,45
